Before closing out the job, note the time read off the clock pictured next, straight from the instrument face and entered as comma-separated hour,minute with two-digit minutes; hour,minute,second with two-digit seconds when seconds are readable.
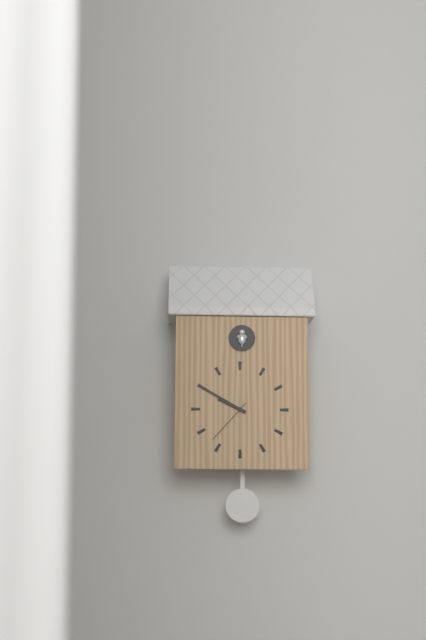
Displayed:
9,50,37
